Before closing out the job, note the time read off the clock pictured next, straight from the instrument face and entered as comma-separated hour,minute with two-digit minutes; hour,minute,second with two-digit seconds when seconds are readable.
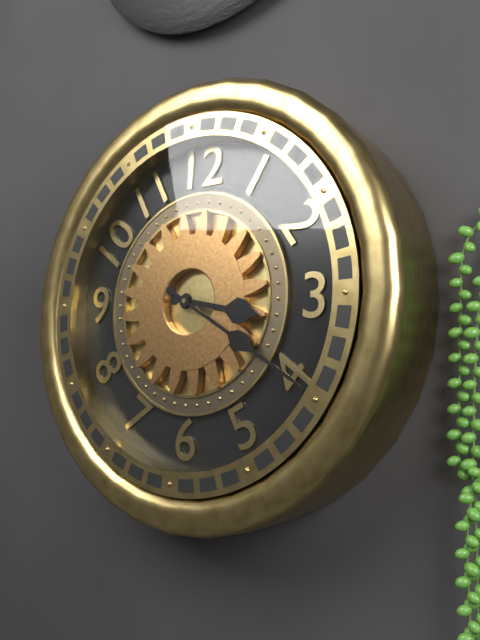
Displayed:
3,20
